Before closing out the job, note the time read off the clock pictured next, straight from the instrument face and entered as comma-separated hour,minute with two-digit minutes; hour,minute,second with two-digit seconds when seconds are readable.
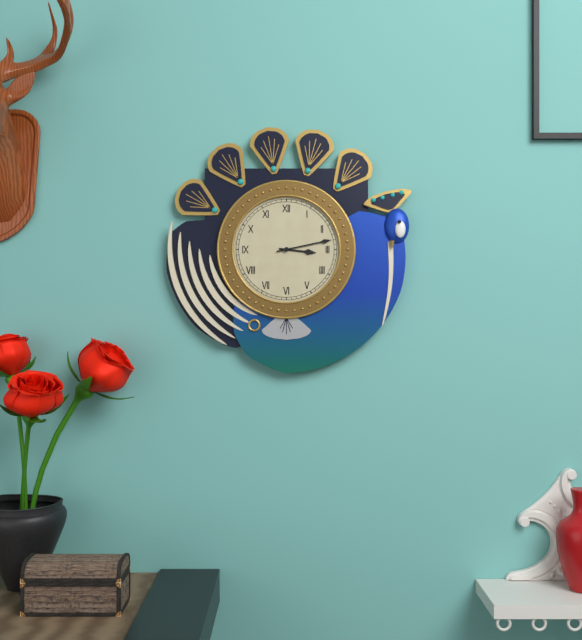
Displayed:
3,13
